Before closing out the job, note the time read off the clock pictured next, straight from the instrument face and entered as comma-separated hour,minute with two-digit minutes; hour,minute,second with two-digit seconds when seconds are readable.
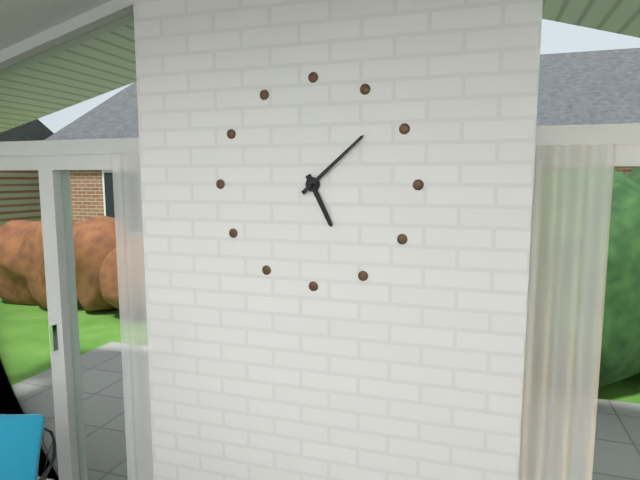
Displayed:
5,08
